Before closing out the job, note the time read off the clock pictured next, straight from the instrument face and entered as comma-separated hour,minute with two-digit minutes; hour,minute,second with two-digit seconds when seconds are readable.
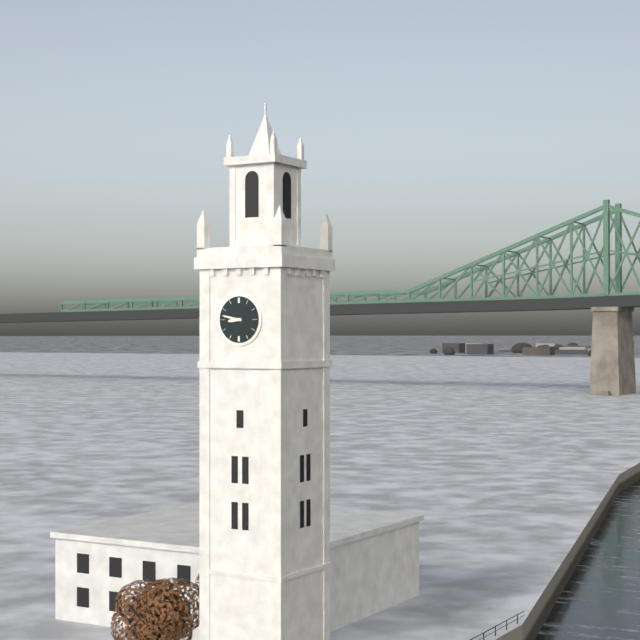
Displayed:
8,47
